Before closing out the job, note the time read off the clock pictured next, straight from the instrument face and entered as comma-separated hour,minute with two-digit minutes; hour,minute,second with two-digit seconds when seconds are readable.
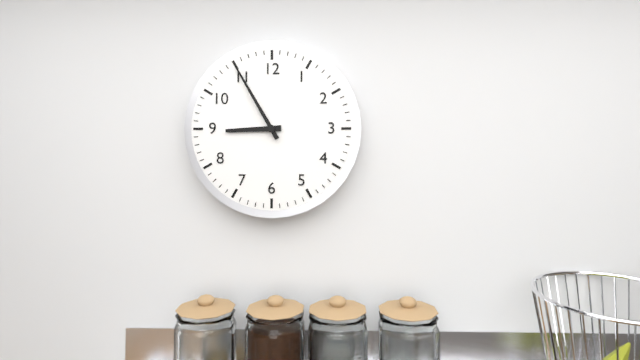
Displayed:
8,55
